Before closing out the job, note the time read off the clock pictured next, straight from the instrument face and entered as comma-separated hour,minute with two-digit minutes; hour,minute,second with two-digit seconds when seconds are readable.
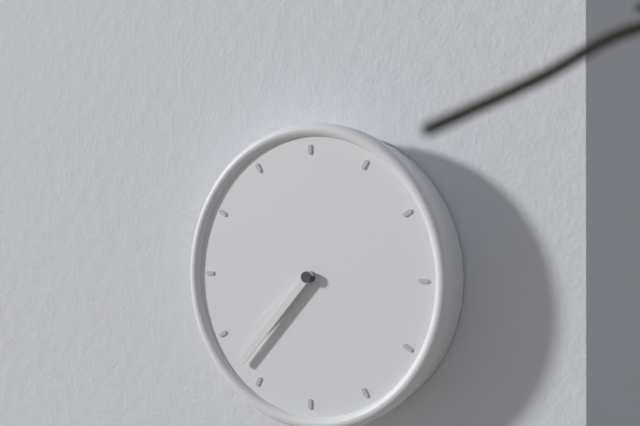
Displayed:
7,37
